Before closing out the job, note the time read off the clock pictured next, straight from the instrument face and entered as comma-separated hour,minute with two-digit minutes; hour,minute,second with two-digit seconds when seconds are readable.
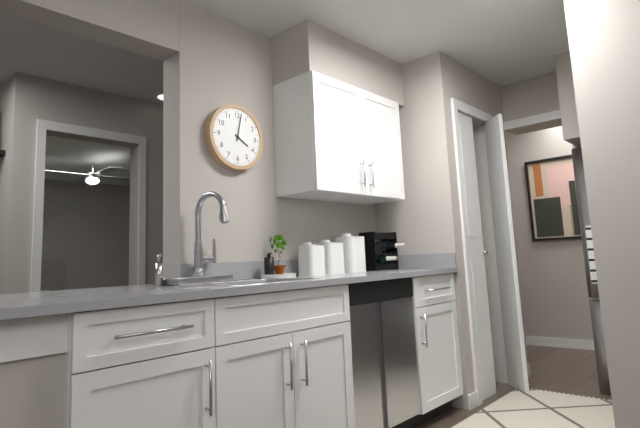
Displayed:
4,02
